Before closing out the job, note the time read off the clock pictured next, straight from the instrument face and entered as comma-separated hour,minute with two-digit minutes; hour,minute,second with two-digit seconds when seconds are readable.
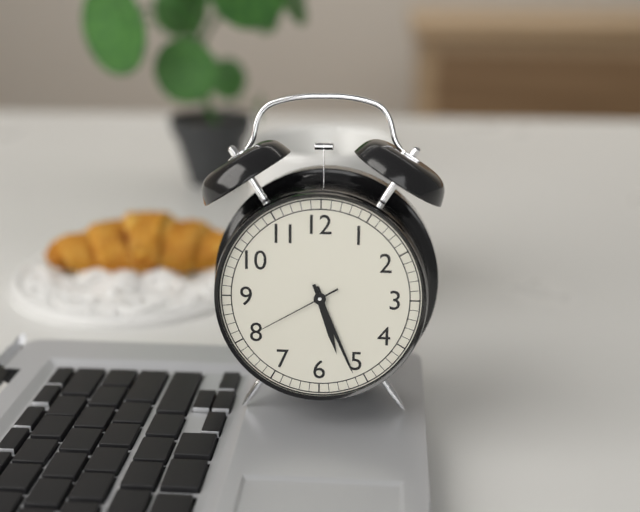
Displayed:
5,26,40
